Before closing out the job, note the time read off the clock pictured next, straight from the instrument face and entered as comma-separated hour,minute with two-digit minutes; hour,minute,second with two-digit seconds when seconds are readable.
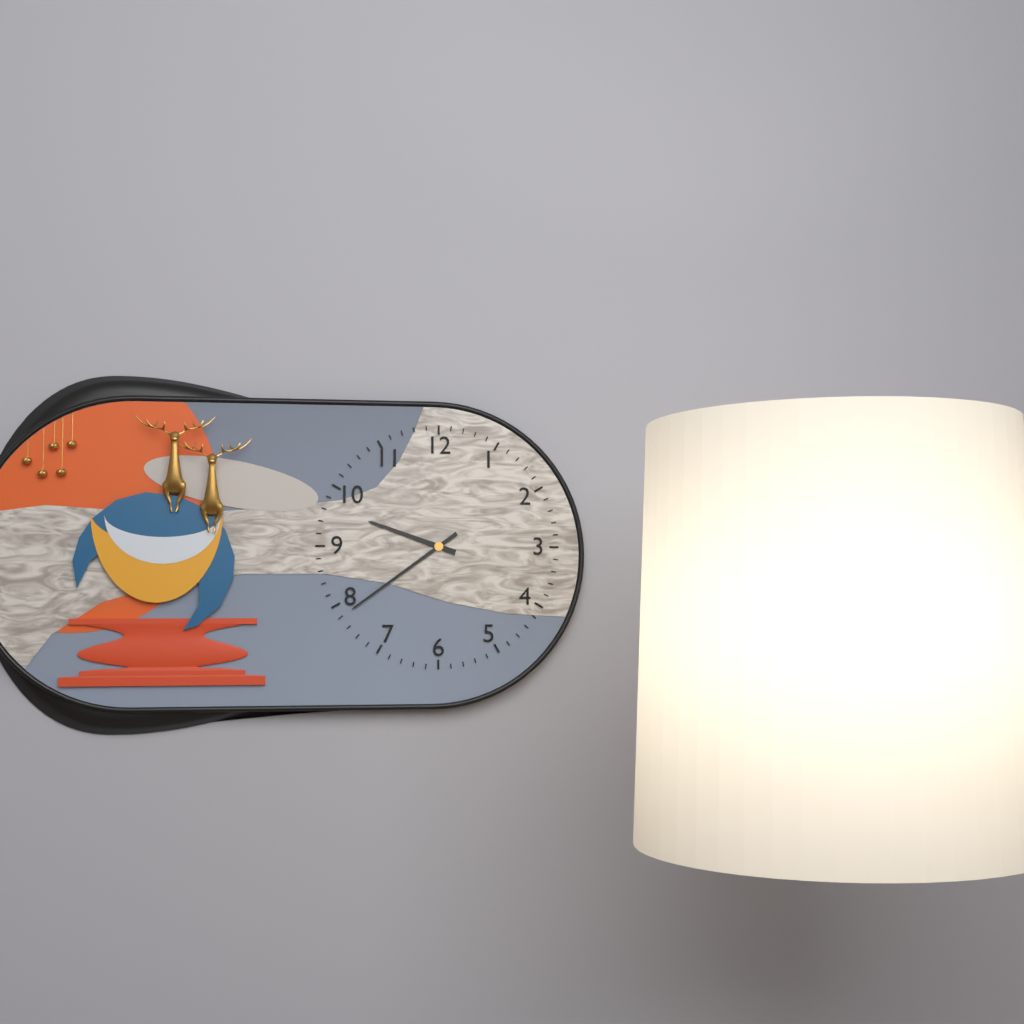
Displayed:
9,39
